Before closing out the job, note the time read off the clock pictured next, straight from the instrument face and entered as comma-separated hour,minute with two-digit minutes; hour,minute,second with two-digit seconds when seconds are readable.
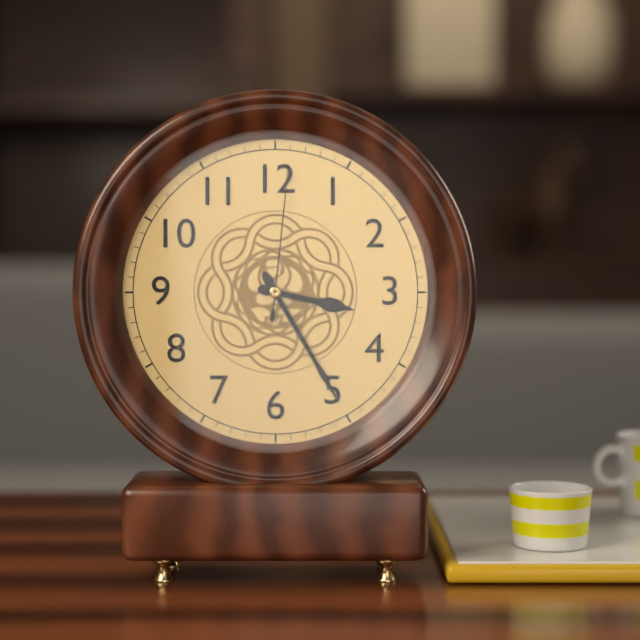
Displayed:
3,25,01
